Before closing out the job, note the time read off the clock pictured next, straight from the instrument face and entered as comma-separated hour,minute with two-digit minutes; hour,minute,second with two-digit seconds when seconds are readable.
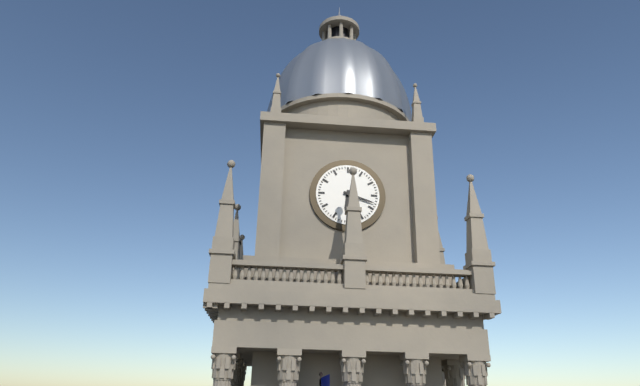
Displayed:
6,18
